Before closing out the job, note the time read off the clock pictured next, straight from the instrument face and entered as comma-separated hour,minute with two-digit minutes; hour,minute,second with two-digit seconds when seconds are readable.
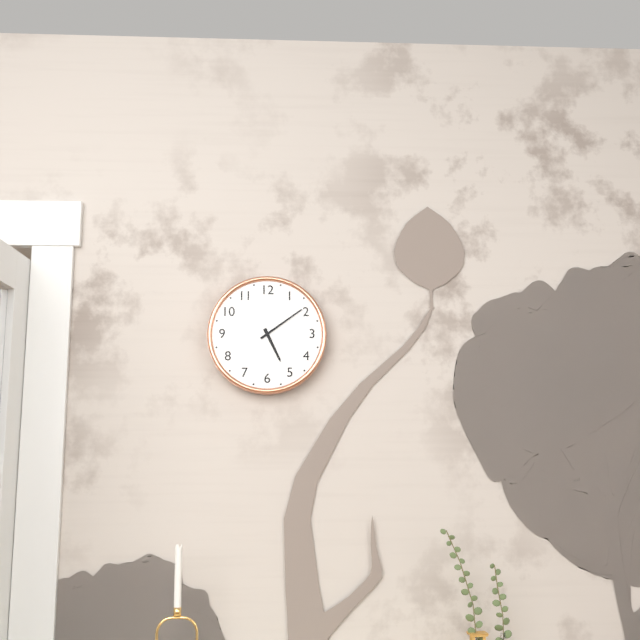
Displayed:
5,09
